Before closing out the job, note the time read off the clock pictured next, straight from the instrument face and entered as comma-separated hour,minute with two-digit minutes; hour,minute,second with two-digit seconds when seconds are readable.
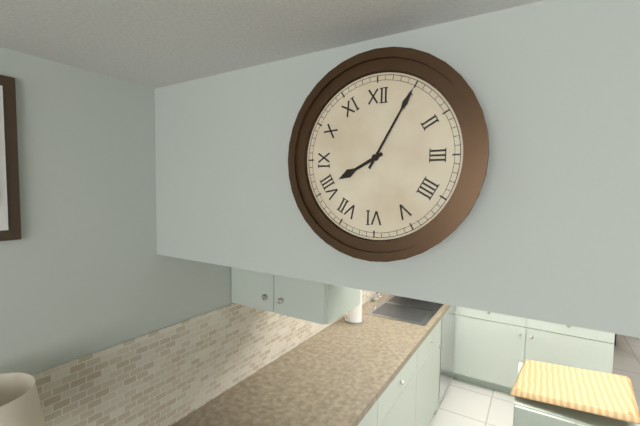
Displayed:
8,05
